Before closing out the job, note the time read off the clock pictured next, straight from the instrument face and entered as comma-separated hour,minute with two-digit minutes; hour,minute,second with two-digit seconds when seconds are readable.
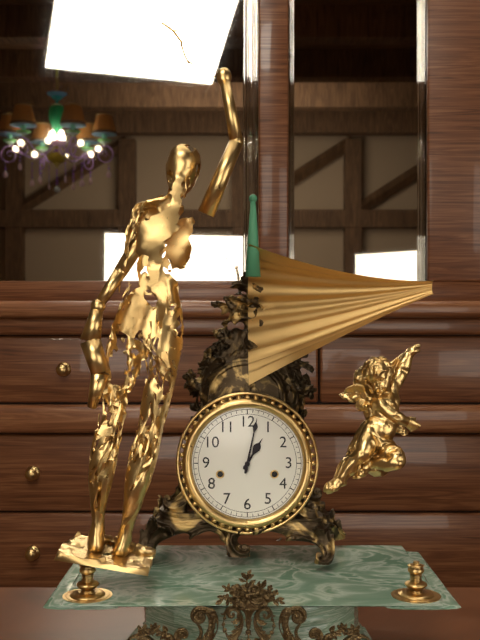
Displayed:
1,02
